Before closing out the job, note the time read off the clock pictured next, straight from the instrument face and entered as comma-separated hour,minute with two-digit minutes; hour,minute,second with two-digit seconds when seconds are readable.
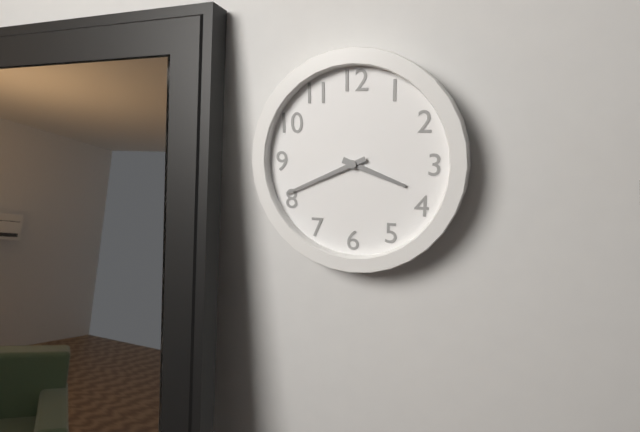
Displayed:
3,41
